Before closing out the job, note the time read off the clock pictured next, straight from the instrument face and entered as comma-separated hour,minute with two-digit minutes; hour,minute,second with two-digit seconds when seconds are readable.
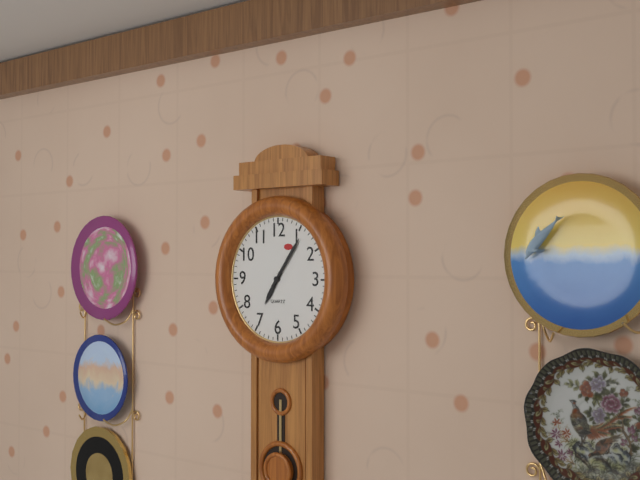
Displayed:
7,06
